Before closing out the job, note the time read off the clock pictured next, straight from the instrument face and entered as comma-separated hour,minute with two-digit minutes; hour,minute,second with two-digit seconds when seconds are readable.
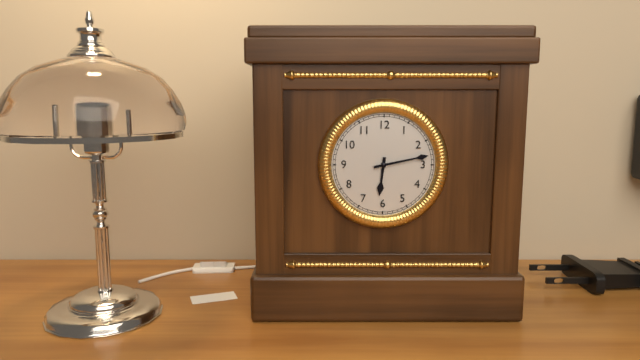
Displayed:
6,13
